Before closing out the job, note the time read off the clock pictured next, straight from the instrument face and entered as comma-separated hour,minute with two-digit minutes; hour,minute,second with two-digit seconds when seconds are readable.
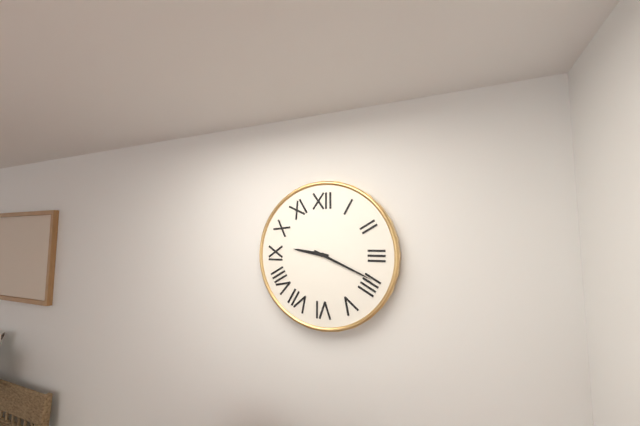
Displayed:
9,19
